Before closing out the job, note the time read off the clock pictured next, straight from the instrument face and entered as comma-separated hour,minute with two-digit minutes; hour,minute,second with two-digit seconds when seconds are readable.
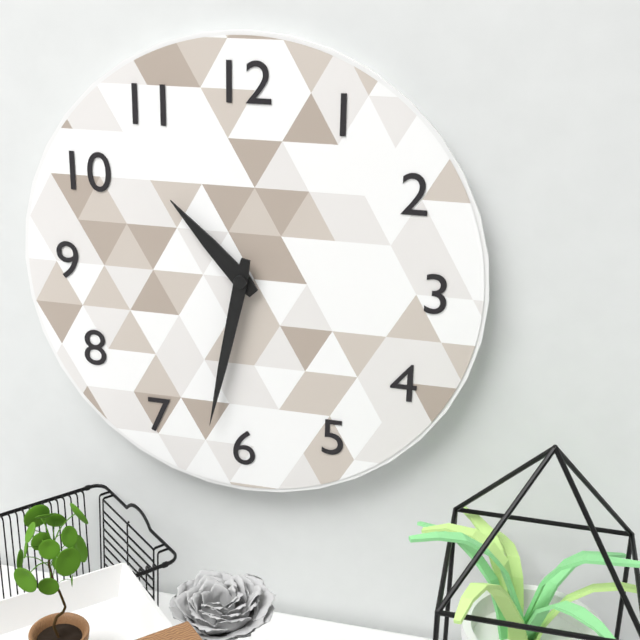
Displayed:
10,32
